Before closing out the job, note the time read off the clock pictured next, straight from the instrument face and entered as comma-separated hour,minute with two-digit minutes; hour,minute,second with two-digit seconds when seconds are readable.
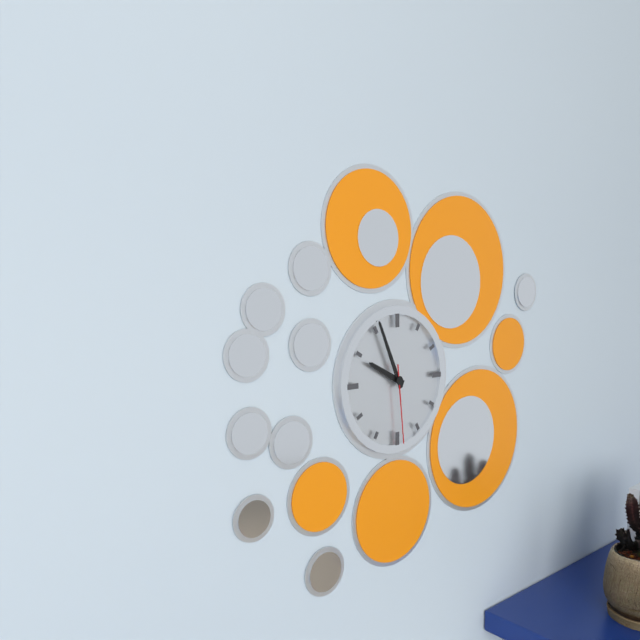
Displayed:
9,56,29
